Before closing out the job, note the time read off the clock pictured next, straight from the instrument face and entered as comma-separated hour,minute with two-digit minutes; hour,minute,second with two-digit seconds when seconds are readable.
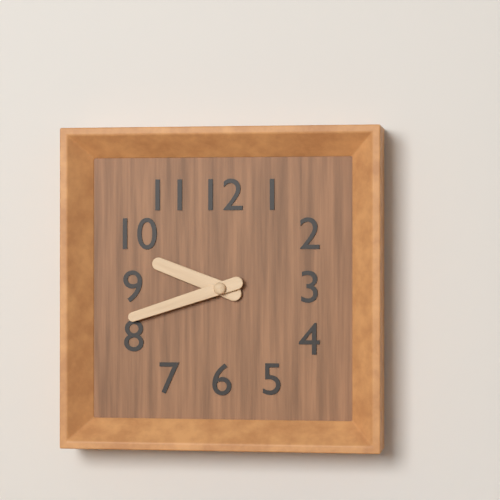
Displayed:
9,42
